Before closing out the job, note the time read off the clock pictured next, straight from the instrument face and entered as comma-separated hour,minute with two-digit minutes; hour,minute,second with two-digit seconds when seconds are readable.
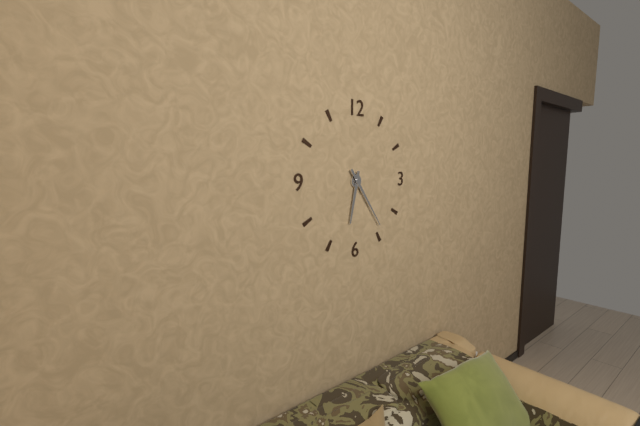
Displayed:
6,24
